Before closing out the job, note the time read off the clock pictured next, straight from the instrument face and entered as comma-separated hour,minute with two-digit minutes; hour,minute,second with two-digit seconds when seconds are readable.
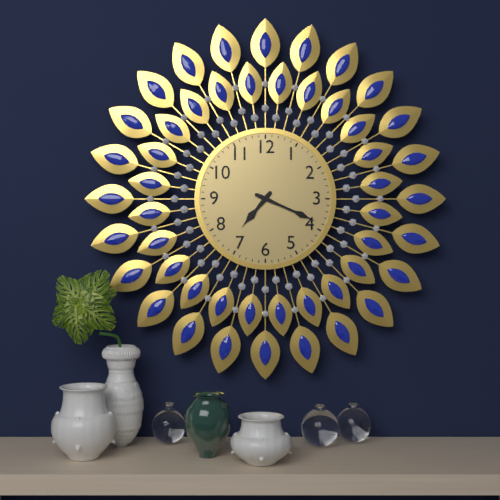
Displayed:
7,19
